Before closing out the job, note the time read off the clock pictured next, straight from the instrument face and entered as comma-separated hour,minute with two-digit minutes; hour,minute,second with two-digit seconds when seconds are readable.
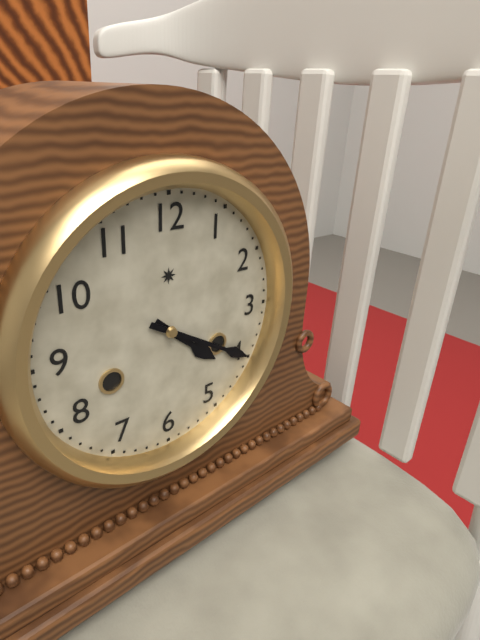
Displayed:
4,20
